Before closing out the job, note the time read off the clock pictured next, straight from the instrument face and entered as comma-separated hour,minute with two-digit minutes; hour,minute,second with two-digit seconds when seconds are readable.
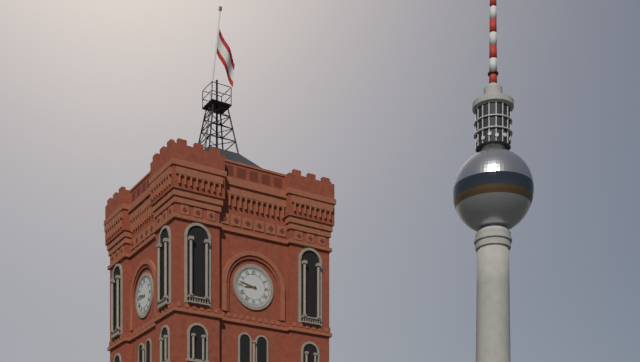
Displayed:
8,47
